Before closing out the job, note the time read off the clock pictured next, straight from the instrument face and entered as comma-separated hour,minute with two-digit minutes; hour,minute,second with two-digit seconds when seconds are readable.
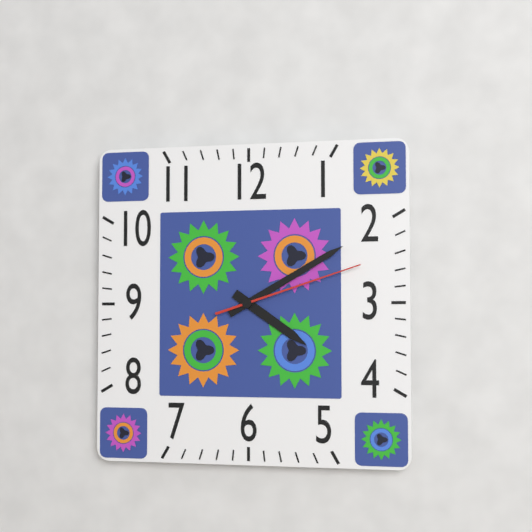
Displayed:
4,10,12
